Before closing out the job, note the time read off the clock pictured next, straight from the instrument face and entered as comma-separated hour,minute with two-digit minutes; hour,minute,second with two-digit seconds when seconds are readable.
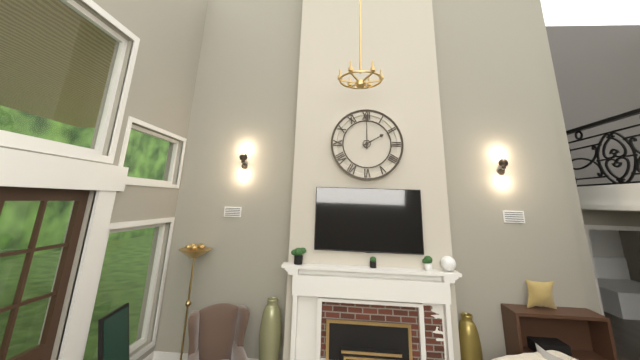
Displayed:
2,00
